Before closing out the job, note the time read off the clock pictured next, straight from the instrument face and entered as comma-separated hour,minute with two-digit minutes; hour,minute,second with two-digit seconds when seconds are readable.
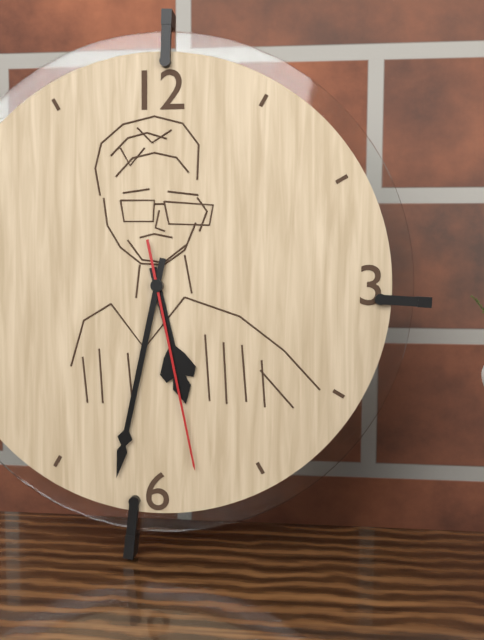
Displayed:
5,32,28
